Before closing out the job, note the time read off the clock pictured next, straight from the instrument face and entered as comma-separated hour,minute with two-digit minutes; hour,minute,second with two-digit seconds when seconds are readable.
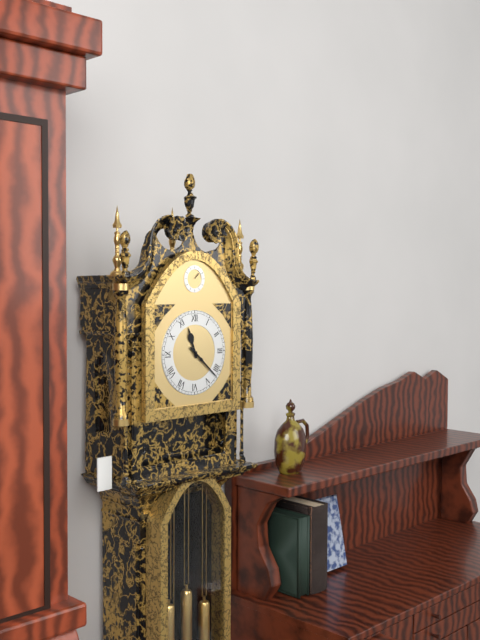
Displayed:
11,22
